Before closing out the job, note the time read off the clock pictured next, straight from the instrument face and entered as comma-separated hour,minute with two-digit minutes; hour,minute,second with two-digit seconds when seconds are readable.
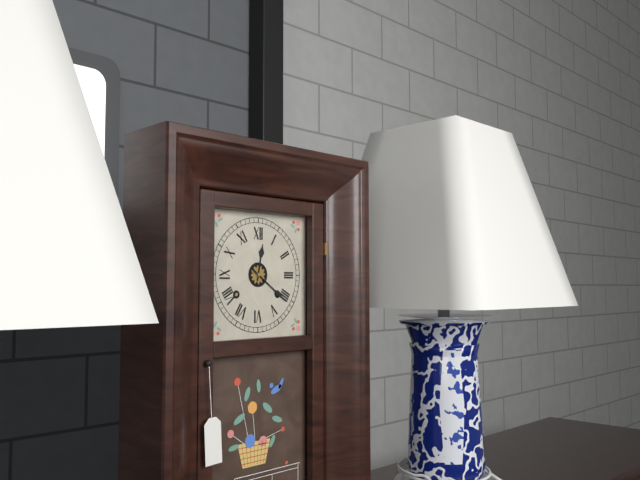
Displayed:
12,21
